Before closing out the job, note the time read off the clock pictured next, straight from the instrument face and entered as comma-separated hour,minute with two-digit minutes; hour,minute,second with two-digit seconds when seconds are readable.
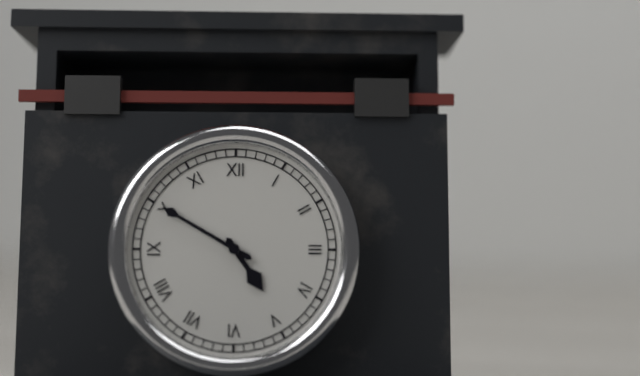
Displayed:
4,50
